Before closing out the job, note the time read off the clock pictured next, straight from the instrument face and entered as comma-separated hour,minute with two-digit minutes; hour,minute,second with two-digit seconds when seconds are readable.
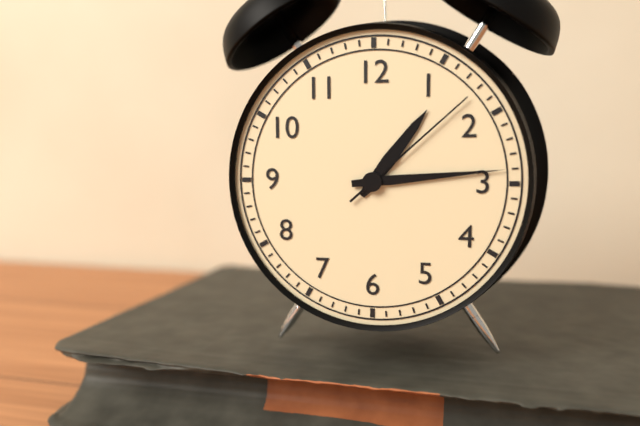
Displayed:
1,14,08
